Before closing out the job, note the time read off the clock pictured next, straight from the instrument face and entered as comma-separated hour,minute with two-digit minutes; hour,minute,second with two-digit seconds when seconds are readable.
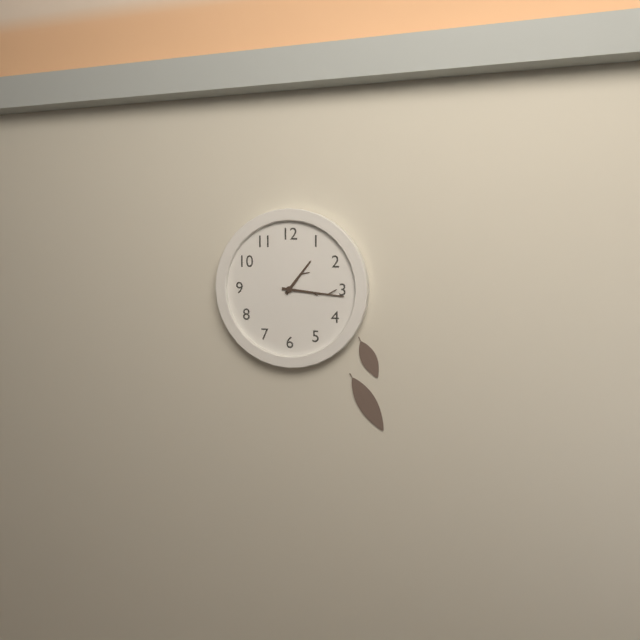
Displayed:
1,16
